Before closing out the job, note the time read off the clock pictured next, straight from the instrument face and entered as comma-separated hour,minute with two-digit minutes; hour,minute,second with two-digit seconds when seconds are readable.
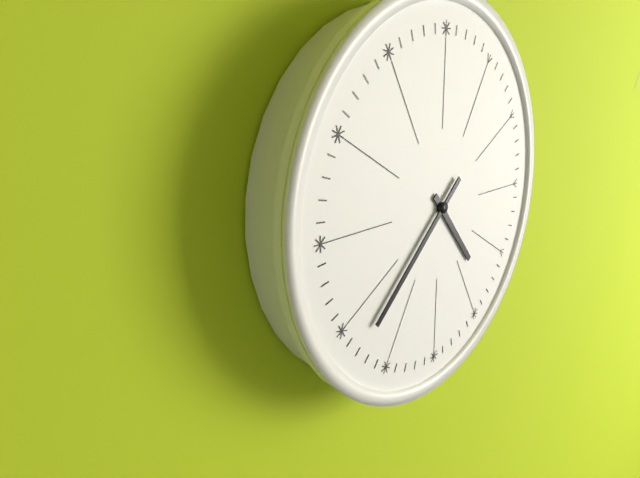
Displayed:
4,38
